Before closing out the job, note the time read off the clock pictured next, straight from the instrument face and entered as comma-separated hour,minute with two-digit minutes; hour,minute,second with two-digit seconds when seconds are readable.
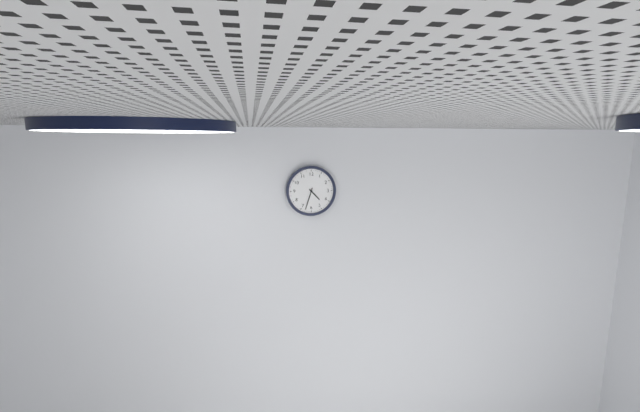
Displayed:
4,33
